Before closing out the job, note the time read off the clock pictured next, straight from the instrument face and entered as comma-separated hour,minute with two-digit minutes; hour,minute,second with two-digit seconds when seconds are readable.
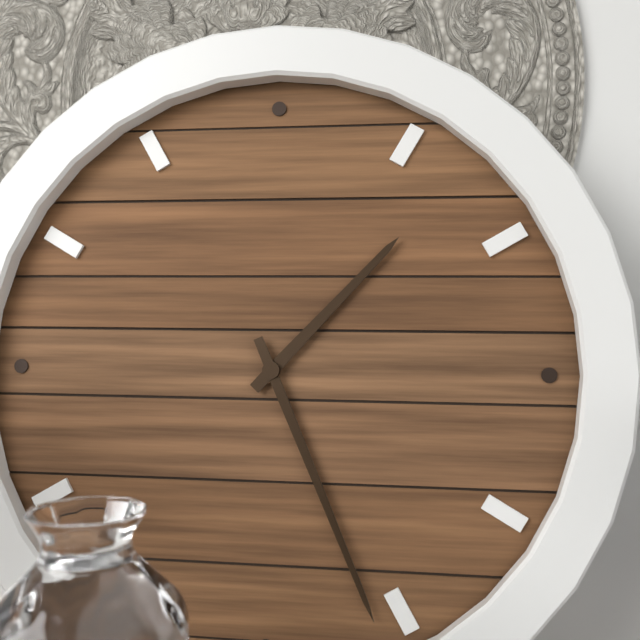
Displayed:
1,26
